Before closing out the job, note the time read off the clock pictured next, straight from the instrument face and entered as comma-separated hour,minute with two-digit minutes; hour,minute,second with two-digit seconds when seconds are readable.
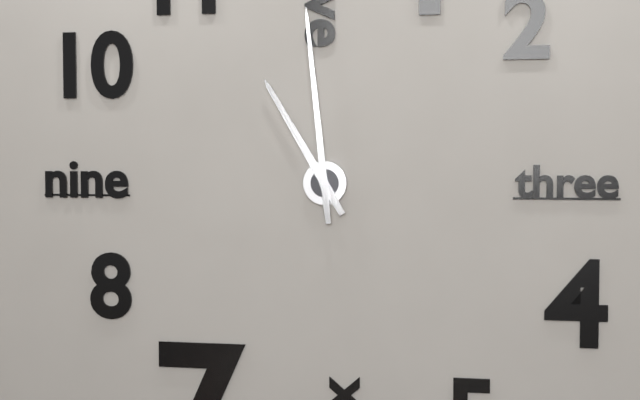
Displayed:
10,59
